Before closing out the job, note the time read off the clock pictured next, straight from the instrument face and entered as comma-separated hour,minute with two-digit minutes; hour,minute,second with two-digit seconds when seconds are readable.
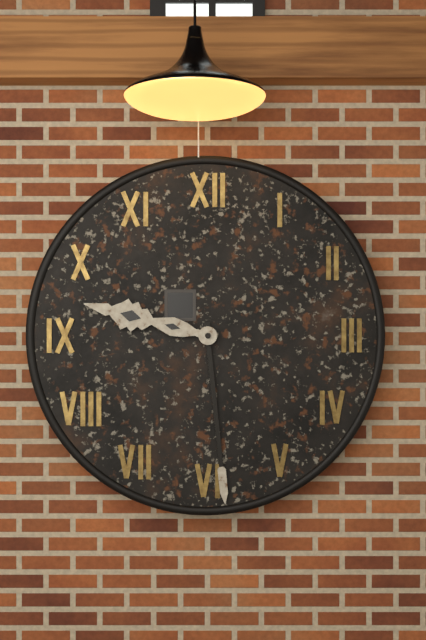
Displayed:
9,29
